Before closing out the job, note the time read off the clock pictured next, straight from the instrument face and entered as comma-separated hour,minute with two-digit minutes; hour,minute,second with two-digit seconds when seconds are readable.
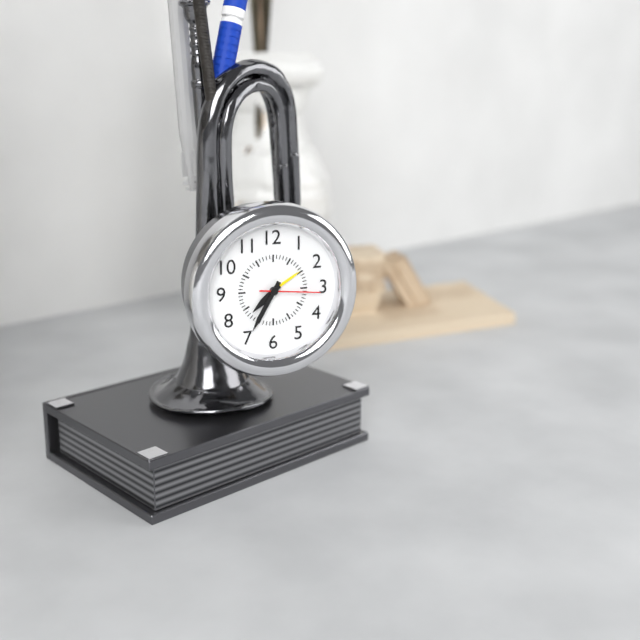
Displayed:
7,35,16
